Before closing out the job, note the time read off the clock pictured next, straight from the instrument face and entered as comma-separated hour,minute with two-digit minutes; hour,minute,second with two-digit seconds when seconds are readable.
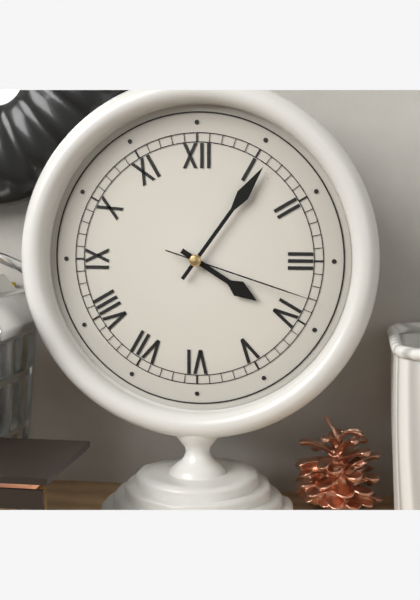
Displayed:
4,06,18
